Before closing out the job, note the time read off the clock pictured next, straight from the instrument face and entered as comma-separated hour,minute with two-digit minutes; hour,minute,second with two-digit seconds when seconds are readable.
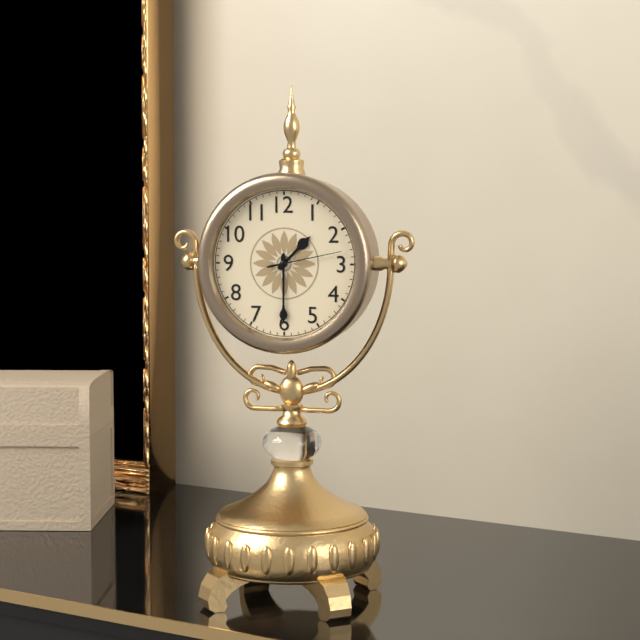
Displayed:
1,30,13
